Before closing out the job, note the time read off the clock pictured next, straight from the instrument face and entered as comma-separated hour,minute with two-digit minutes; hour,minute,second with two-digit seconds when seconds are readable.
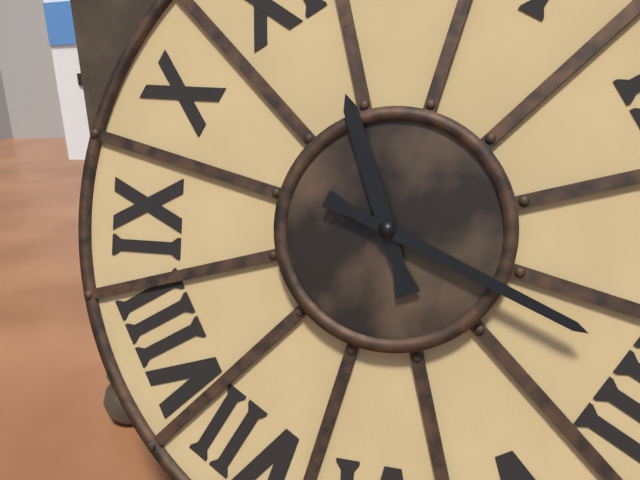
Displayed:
11,19
